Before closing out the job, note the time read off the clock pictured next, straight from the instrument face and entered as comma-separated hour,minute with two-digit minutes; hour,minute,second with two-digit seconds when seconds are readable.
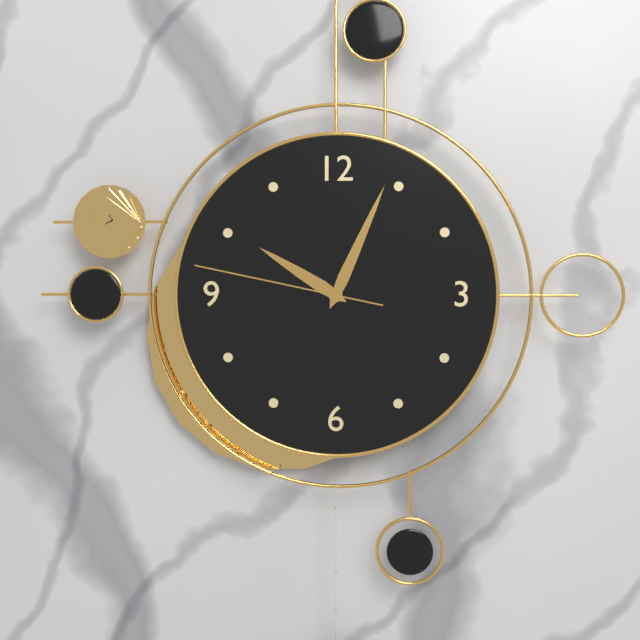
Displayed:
10,04,47
